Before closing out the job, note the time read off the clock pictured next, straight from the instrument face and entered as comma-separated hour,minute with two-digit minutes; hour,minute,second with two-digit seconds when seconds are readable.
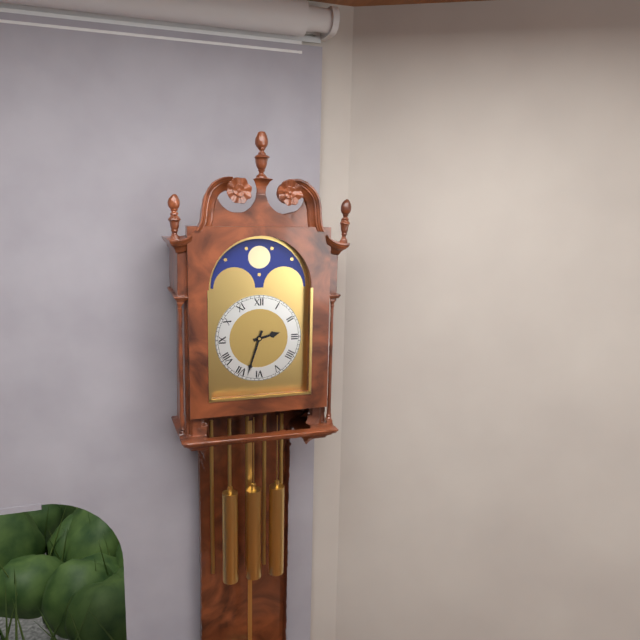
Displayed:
2,33
